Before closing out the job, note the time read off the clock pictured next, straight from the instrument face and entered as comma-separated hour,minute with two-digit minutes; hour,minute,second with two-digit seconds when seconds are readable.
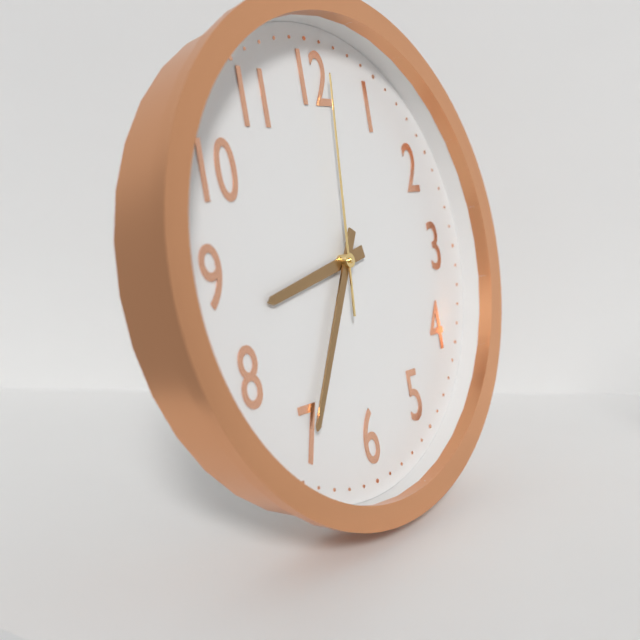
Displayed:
8,35,01
